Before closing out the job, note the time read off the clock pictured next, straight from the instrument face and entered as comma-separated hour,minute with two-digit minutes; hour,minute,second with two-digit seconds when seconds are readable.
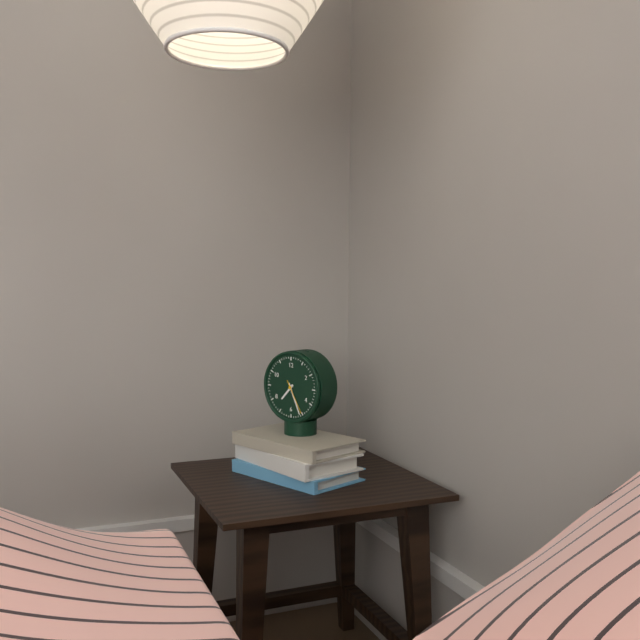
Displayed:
7,26
